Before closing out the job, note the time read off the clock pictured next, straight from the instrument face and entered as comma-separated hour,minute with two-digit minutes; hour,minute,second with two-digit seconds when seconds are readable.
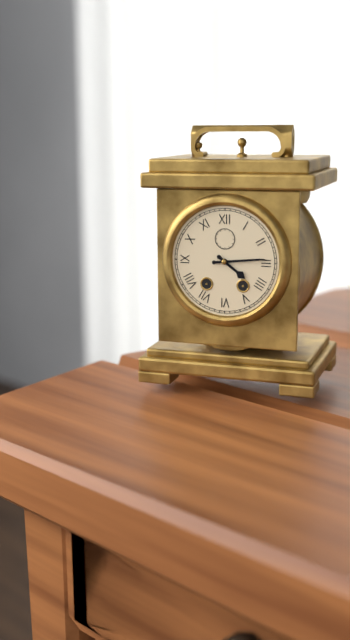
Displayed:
4,14
